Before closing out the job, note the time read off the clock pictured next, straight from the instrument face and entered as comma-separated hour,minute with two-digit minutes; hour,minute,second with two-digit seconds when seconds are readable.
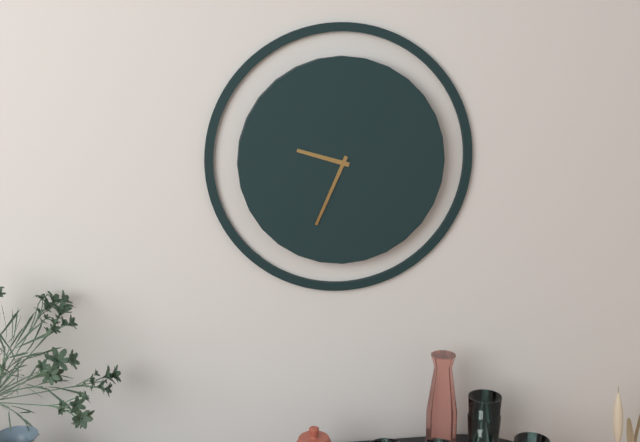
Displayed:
9,34
